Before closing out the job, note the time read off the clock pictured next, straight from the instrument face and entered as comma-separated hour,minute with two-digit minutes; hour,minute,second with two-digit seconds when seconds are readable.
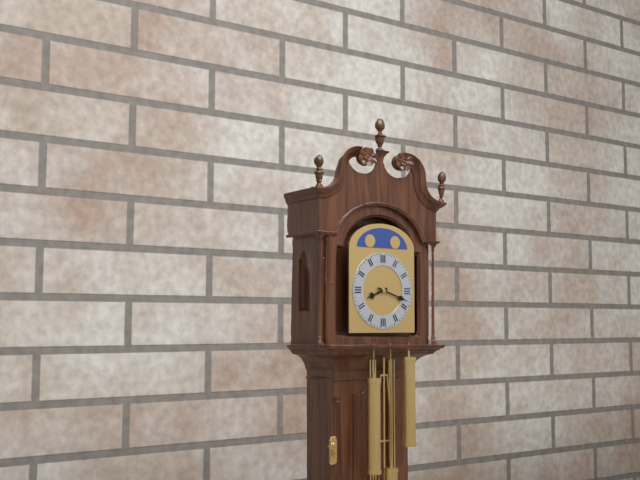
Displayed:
8,18
